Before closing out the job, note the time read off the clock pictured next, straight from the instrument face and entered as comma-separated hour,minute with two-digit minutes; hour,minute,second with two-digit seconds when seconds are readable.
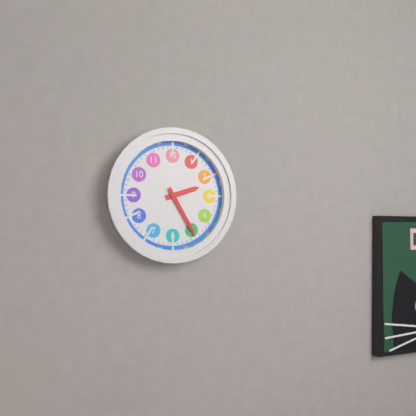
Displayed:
2,25
